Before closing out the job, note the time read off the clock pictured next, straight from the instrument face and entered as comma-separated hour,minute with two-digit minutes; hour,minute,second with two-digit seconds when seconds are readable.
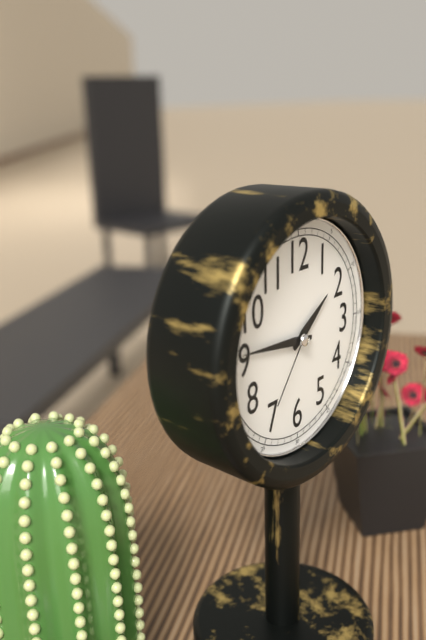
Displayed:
1,46,36
